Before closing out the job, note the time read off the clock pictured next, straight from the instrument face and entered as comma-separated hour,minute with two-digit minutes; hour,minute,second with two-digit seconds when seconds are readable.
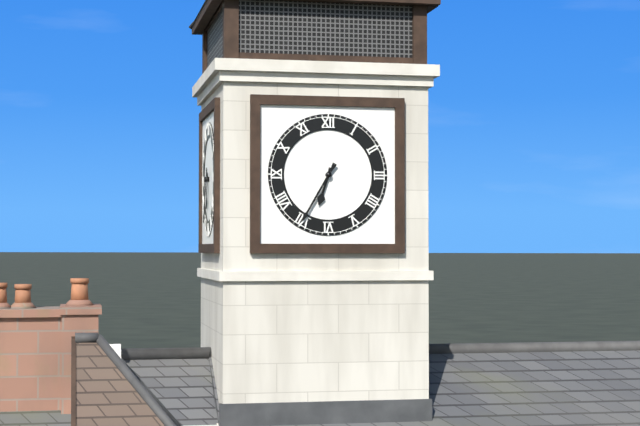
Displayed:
6,35
